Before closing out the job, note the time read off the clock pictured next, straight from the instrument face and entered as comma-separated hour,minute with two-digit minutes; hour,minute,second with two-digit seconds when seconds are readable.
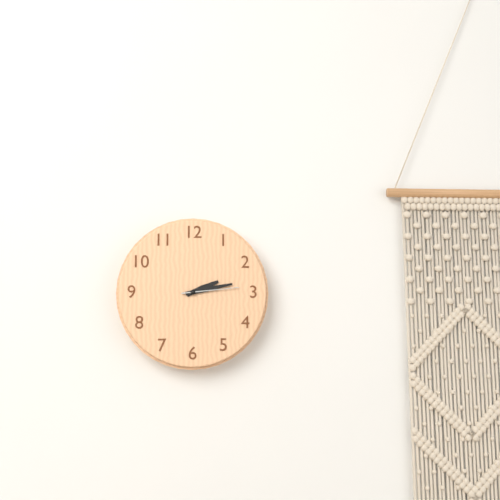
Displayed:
2,13,14
